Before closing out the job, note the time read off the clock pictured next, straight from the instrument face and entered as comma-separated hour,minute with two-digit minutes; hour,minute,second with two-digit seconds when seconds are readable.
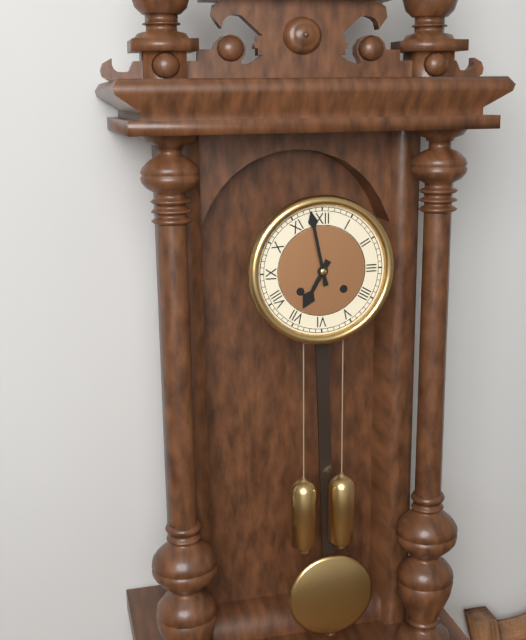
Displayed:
6,58
